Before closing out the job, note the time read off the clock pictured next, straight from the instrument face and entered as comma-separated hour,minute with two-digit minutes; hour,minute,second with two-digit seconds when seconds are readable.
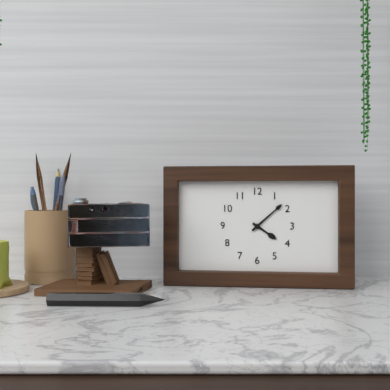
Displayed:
4,08
